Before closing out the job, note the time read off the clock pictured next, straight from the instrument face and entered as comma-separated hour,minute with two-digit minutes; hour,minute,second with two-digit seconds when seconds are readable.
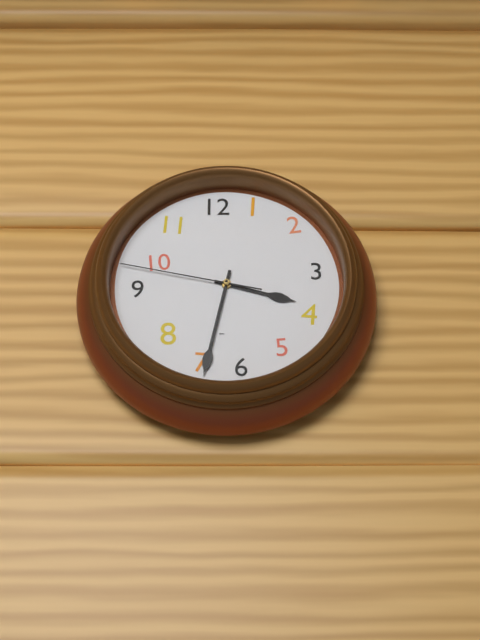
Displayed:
3,32,47
